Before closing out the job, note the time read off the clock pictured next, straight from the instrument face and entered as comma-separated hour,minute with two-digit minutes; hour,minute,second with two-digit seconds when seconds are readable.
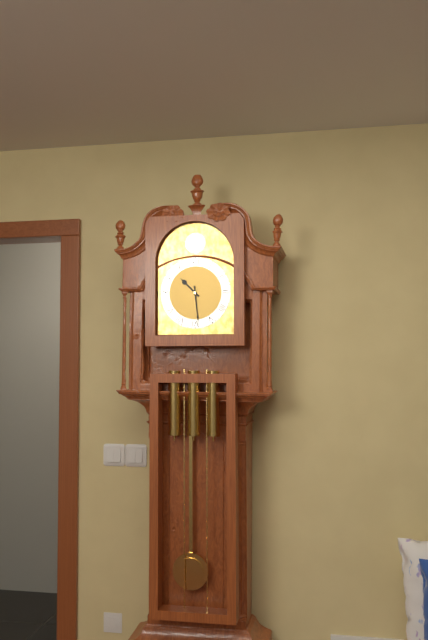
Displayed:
10,29
